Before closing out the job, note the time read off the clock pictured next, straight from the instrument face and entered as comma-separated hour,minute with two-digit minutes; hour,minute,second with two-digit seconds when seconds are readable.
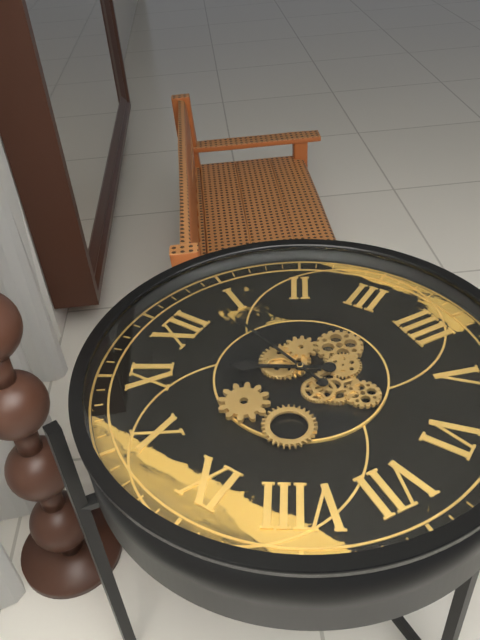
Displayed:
11,03
